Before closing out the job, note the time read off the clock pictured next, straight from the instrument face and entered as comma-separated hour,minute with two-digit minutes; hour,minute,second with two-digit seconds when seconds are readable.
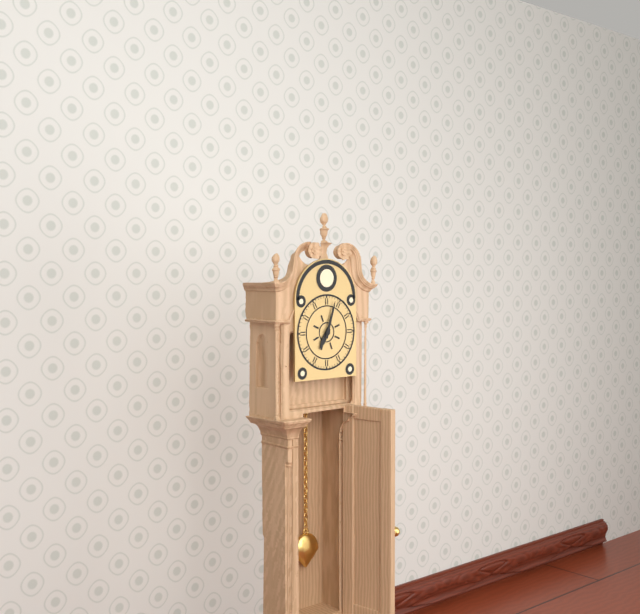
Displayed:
7,03
